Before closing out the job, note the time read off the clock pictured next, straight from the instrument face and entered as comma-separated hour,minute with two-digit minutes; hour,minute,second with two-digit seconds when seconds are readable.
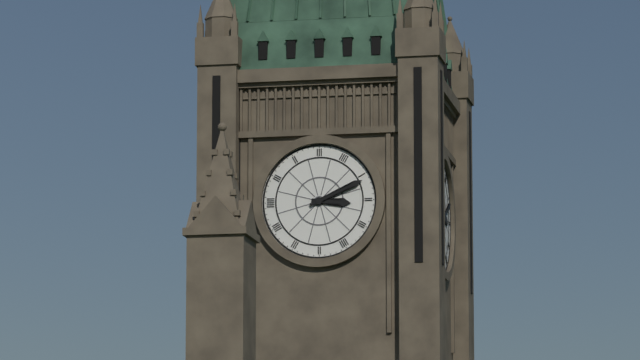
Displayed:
3,11
